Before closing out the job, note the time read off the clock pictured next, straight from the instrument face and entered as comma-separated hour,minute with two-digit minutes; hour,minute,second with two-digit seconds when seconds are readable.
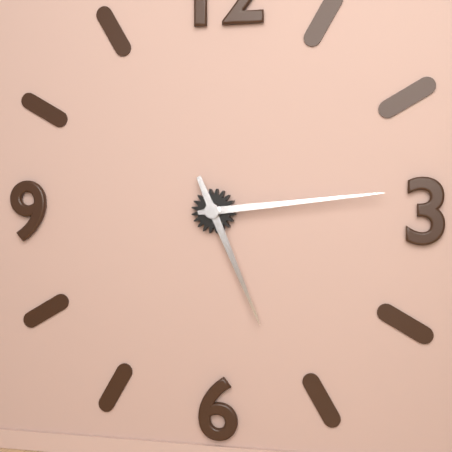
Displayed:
5,14
